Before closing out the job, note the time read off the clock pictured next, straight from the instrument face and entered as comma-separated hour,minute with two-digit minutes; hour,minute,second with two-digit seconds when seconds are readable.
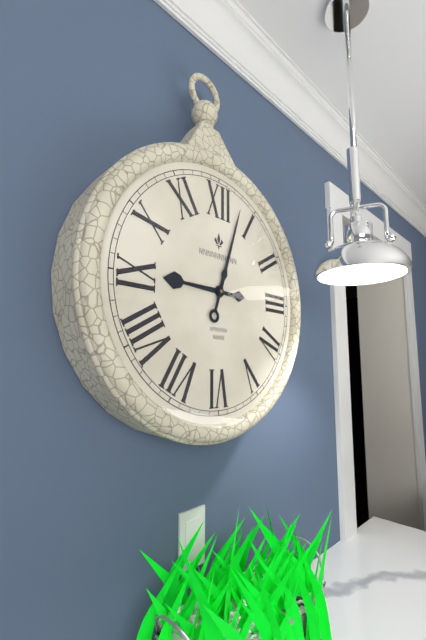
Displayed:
9,03
